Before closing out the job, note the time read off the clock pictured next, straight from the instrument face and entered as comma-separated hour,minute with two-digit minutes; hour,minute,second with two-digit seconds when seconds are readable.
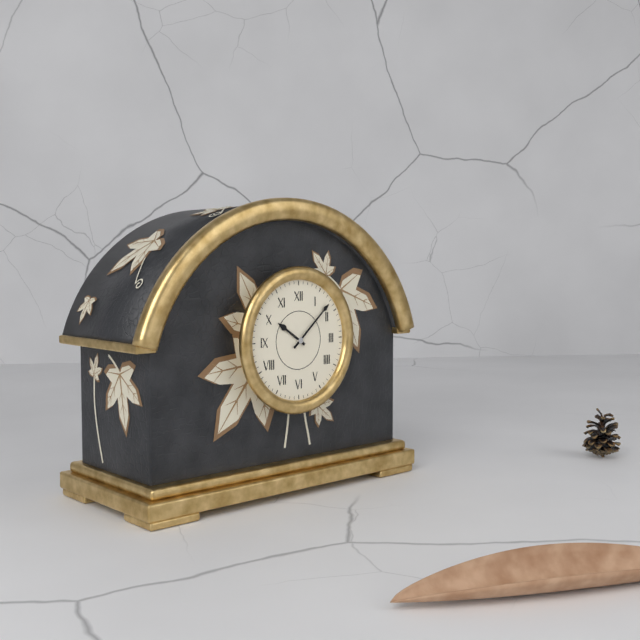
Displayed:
10,08
